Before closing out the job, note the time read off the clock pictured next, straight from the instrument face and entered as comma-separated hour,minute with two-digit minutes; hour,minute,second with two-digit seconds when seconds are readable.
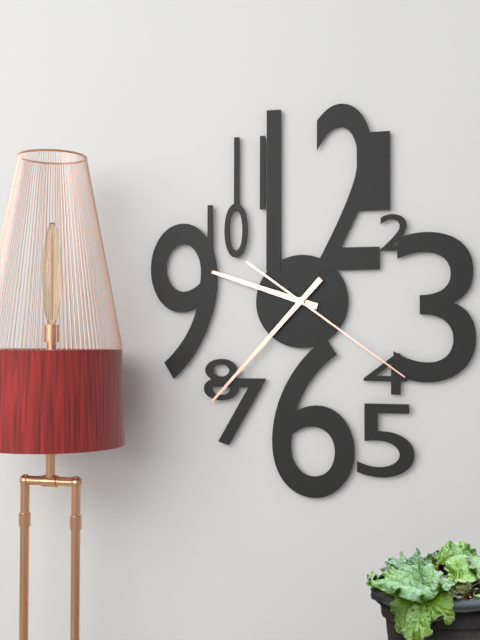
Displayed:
9,37,21
